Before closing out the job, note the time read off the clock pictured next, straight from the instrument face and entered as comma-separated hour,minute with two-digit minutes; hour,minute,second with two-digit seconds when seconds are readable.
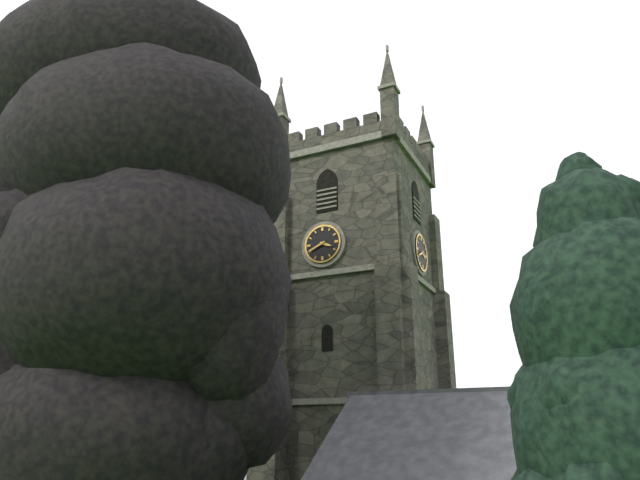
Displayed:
3,41
